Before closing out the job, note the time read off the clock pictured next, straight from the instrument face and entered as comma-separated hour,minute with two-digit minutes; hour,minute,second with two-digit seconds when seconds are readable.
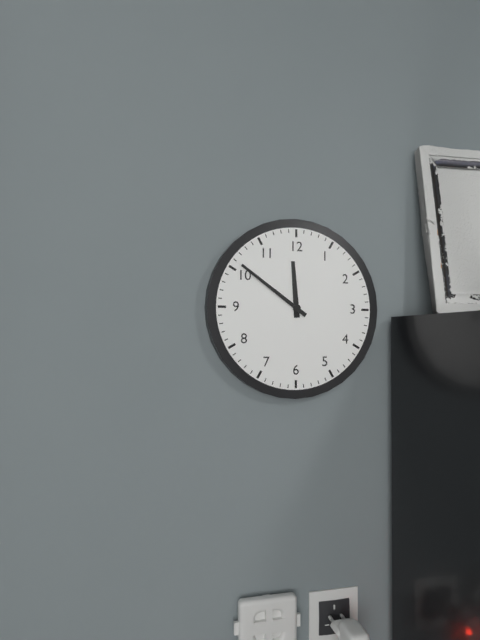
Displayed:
11,51
